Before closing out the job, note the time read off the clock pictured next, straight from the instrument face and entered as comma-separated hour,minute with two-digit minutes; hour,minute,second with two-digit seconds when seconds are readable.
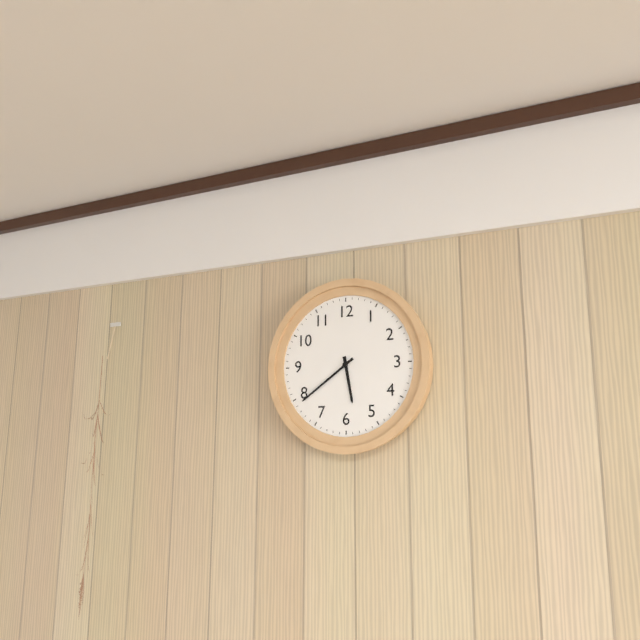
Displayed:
5,39
